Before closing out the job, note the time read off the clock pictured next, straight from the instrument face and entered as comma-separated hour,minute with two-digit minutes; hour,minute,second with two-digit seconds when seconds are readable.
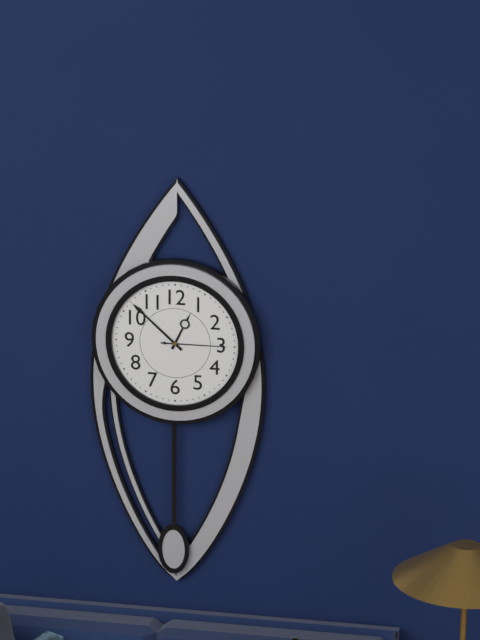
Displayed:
12,52,15
